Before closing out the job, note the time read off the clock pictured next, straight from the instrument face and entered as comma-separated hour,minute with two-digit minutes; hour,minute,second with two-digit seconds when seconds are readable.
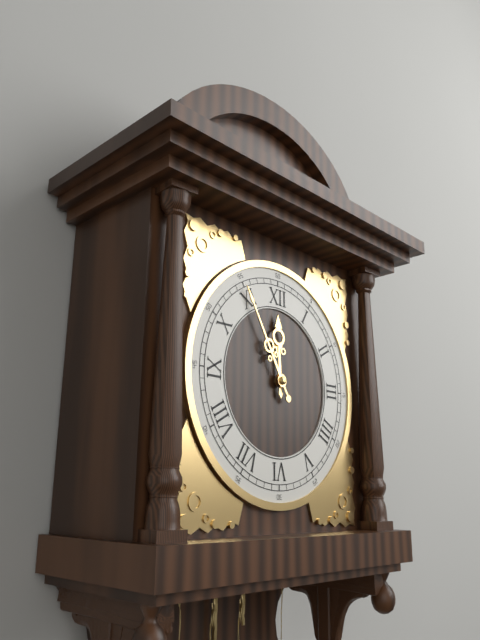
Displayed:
11,55
